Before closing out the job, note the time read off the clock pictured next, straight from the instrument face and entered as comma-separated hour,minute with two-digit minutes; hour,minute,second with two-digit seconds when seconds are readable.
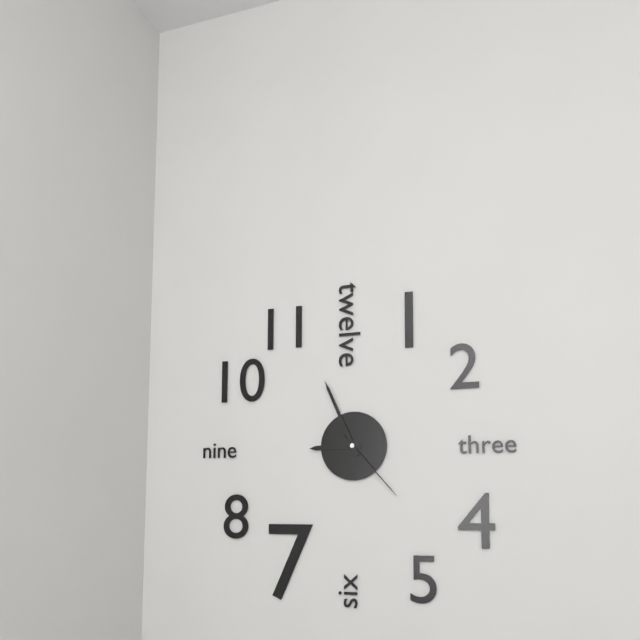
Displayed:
8,56,23
